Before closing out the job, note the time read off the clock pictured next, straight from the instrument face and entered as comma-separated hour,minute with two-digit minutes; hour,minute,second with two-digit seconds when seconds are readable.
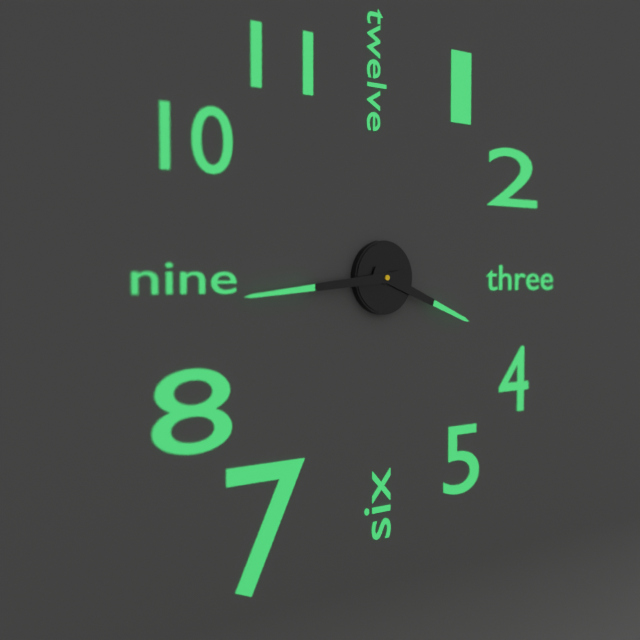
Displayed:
3,44
